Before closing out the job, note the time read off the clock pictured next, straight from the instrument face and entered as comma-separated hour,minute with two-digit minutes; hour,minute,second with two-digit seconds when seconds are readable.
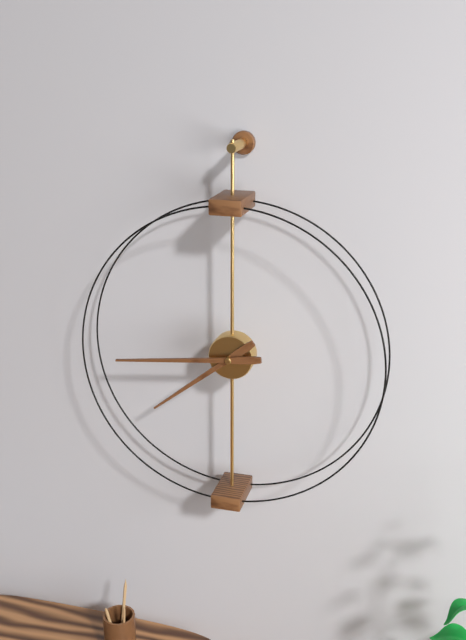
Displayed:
7,44
